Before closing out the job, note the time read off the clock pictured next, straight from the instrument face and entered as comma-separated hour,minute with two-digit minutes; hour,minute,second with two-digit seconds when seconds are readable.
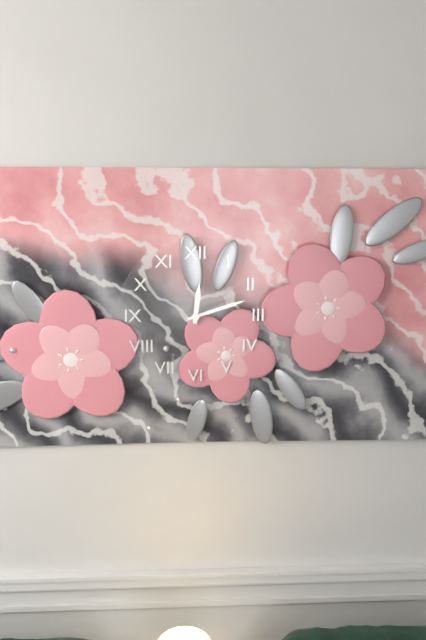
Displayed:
12,12
